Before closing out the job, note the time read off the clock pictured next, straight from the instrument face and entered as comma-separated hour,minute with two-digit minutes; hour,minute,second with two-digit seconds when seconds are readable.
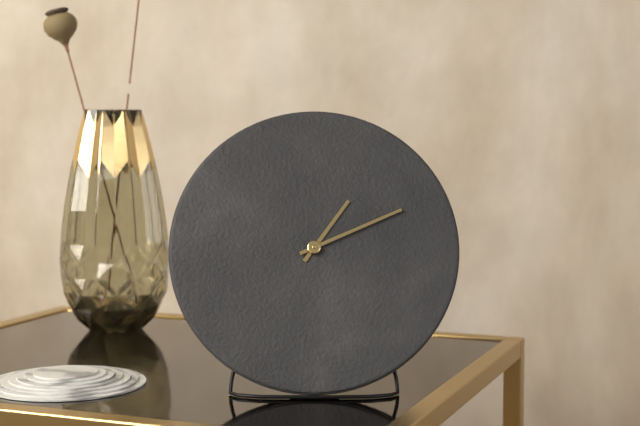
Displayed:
1,11
